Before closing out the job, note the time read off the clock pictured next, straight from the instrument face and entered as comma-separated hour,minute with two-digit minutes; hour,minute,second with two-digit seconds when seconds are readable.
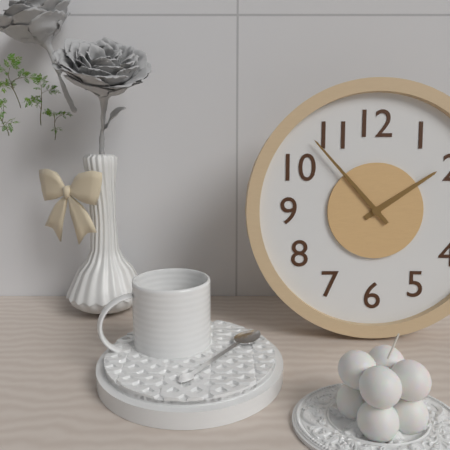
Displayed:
1,53
